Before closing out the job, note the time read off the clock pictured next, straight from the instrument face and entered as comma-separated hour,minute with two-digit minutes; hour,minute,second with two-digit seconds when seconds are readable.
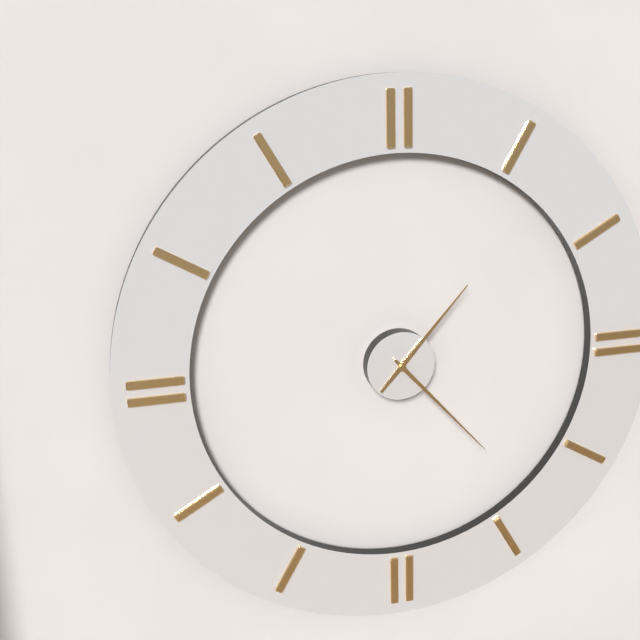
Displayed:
1,23
